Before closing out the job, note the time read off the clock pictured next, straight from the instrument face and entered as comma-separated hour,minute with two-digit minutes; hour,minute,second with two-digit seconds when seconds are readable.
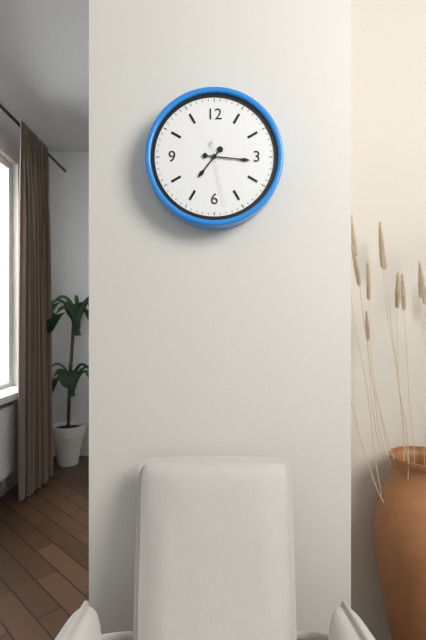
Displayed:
7,16,28
